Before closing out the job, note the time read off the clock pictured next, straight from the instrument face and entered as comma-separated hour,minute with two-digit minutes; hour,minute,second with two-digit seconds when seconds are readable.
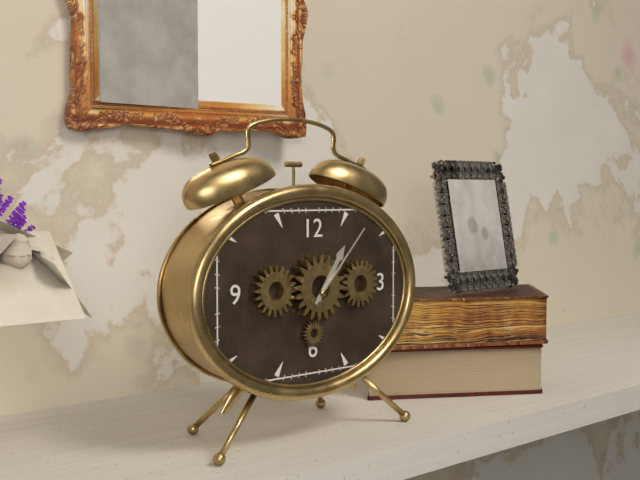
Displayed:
1,07
